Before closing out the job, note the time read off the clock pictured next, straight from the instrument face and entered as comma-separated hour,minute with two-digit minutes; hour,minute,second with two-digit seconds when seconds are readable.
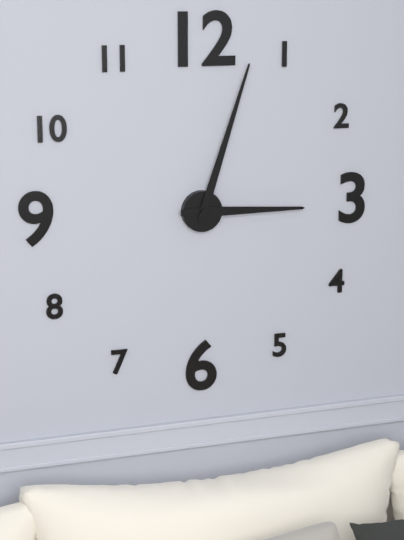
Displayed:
3,03
